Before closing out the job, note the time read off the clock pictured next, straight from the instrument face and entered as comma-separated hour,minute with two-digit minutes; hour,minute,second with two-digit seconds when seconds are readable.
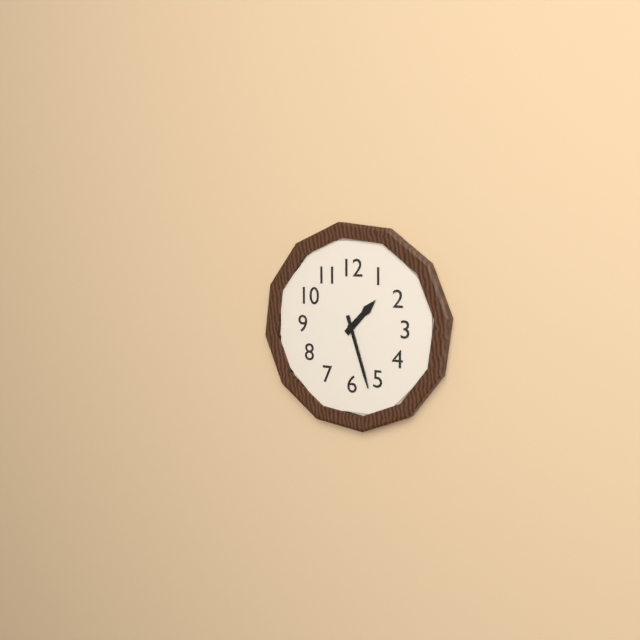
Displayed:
1,27
